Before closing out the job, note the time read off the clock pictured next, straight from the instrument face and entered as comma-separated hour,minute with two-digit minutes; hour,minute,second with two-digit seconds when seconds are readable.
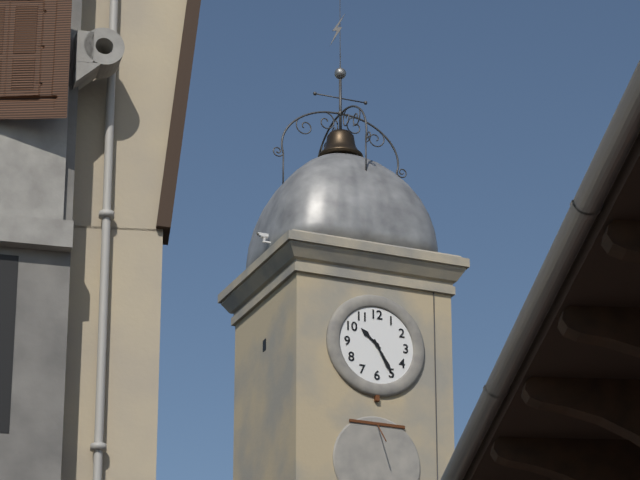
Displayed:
10,25
